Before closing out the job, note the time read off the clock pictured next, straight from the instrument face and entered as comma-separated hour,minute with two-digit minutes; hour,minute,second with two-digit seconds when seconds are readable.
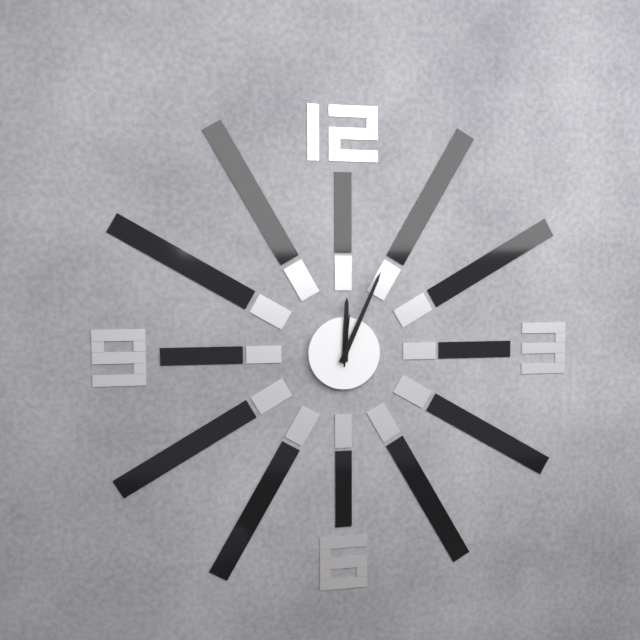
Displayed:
12,04,01
